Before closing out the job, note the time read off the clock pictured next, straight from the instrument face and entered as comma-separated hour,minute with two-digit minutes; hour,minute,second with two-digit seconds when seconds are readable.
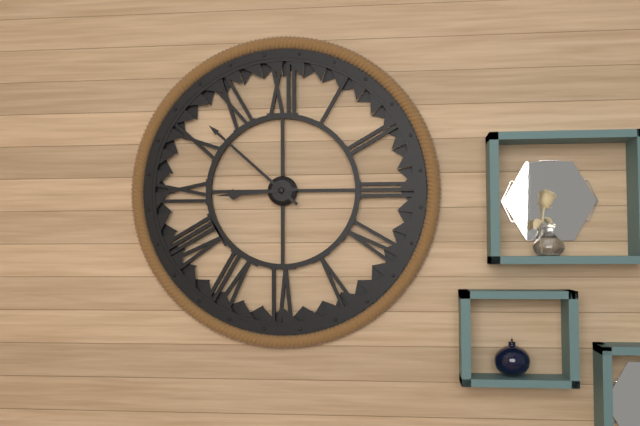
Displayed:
8,52
